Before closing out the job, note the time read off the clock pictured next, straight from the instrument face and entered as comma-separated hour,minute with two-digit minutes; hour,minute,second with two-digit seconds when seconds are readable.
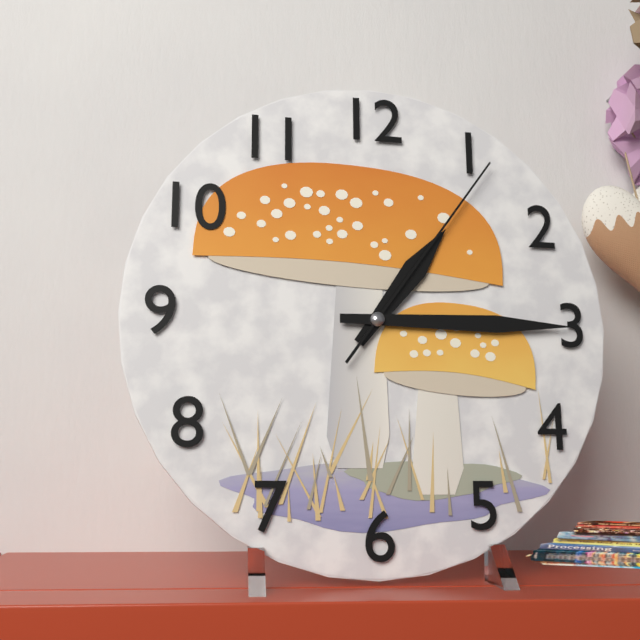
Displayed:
1,15,06
